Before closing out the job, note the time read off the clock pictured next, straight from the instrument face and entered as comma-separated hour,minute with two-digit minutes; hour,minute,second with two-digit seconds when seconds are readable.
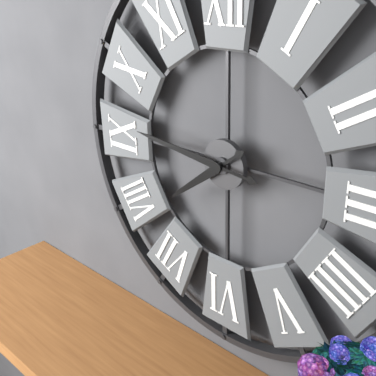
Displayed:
7,46
